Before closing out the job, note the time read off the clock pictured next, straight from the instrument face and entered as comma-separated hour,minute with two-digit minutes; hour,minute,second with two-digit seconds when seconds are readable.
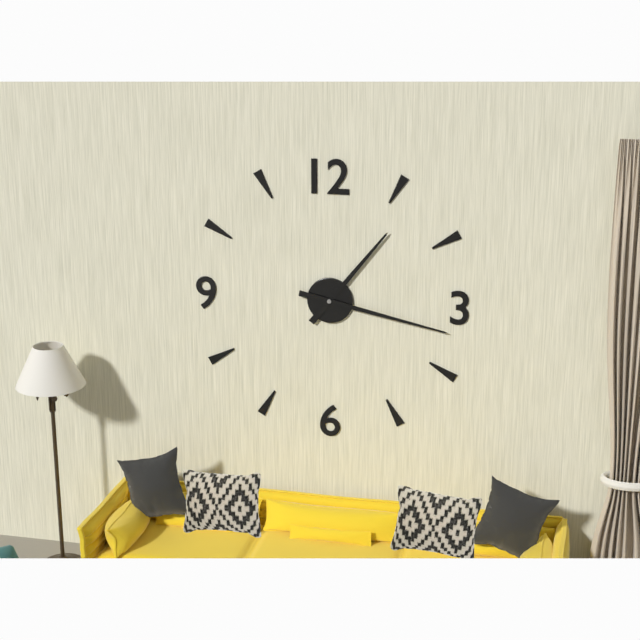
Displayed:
1,17
